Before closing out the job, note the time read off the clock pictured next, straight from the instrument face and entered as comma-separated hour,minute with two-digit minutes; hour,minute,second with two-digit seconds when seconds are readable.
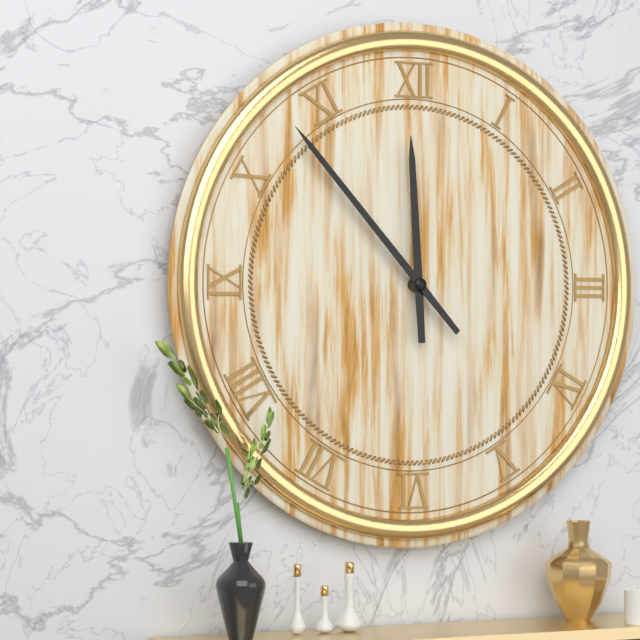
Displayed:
11,53
